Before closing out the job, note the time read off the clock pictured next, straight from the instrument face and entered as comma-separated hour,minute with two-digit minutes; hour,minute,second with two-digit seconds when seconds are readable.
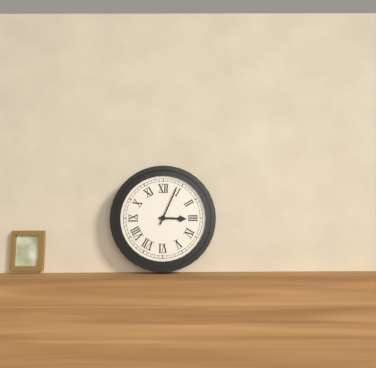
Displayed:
3,04
